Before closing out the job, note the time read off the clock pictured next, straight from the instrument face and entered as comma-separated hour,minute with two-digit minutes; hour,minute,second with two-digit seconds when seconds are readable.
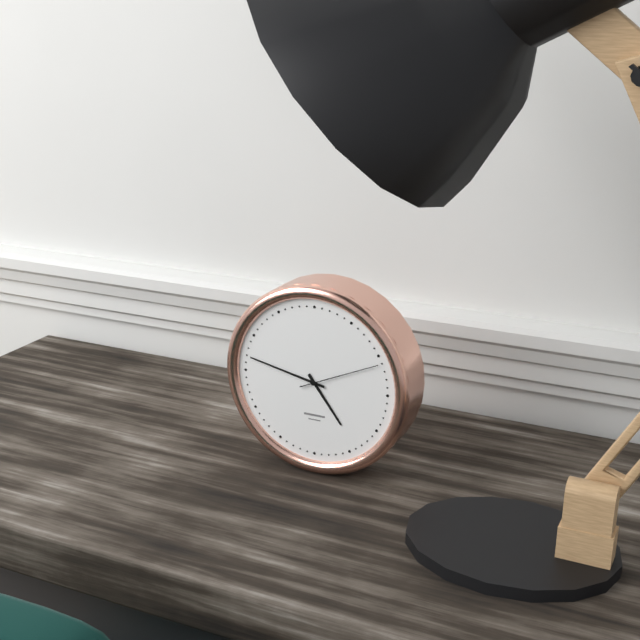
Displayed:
4,47,11
